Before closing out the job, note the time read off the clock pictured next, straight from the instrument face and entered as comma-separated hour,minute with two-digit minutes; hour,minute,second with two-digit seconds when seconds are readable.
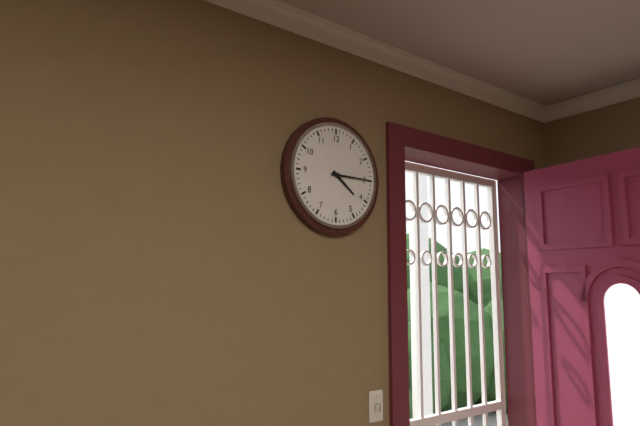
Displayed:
4,15
